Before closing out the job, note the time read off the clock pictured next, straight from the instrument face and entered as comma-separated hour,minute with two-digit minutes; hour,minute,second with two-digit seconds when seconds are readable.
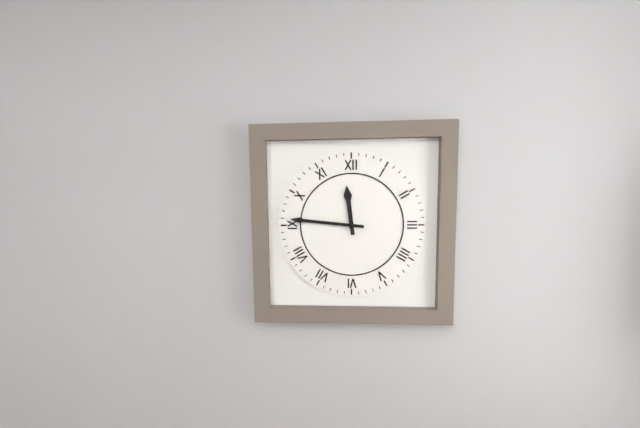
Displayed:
11,46
